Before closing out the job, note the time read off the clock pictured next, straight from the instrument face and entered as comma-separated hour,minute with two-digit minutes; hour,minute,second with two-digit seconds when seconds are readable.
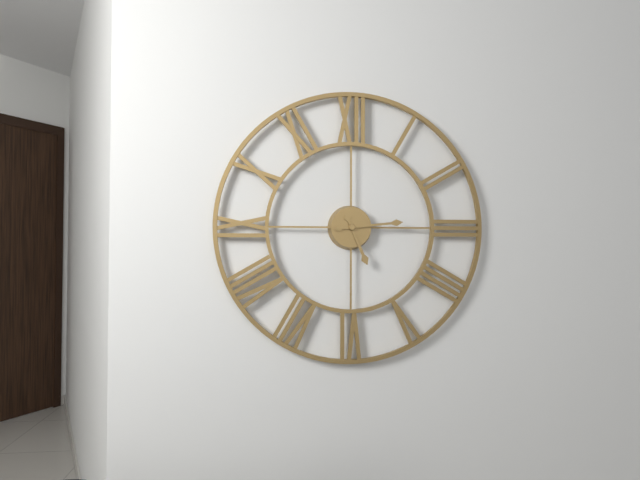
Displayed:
5,14
